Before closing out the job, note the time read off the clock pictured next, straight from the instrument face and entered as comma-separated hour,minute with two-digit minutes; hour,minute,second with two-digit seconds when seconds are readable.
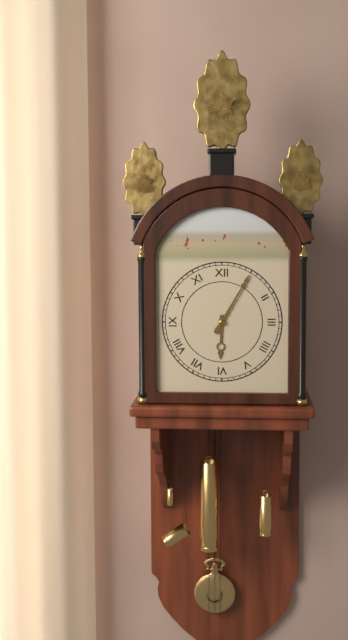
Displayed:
6,05
